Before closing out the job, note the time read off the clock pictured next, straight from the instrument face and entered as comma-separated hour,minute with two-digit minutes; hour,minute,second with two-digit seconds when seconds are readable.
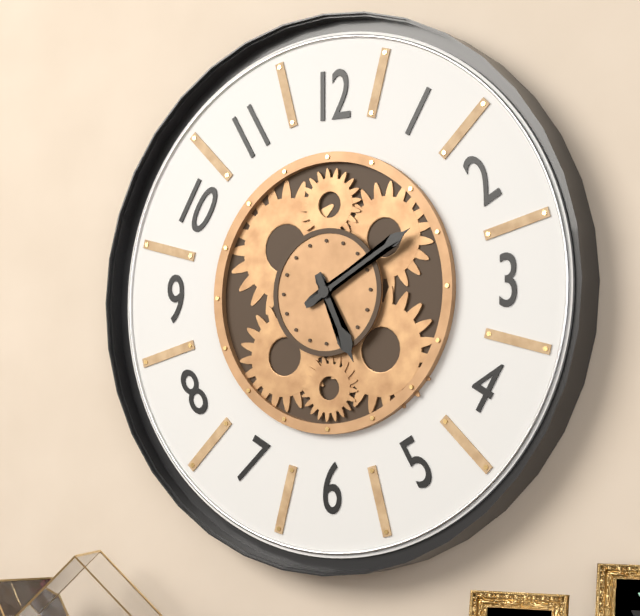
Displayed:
5,10
